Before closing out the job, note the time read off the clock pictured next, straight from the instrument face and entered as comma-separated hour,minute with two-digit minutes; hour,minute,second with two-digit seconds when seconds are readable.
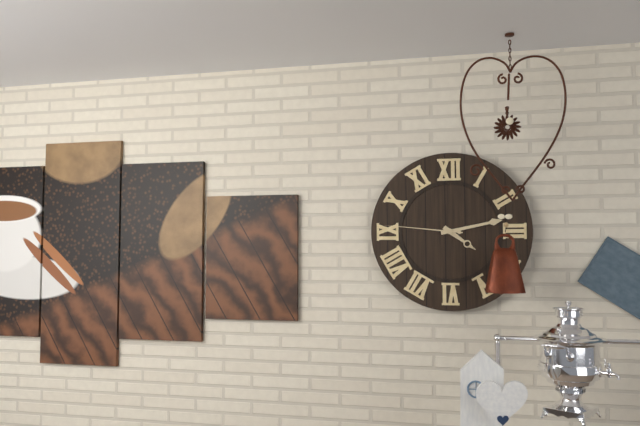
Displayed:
4,13,46
